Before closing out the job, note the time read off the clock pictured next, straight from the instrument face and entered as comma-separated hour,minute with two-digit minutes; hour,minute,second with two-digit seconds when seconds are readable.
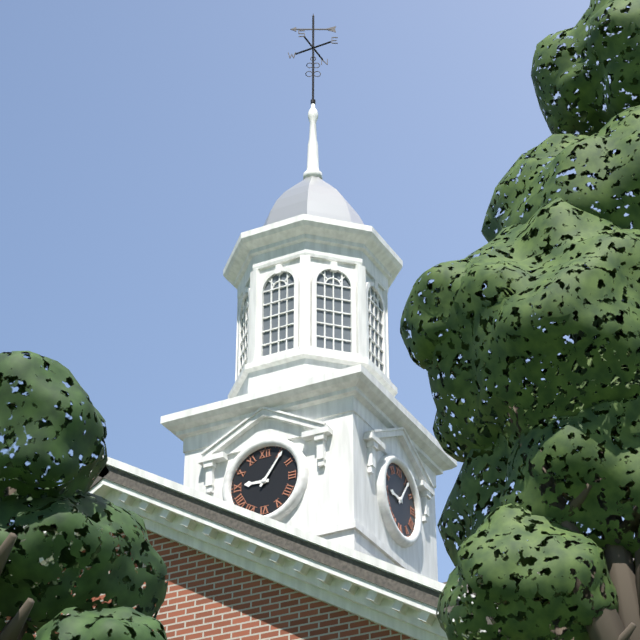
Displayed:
9,06
